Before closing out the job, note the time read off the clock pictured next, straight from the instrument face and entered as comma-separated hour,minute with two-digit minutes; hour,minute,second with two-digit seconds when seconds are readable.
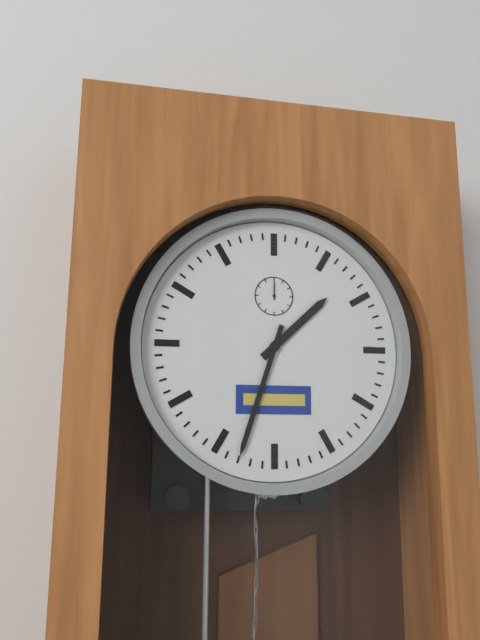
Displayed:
1,33
